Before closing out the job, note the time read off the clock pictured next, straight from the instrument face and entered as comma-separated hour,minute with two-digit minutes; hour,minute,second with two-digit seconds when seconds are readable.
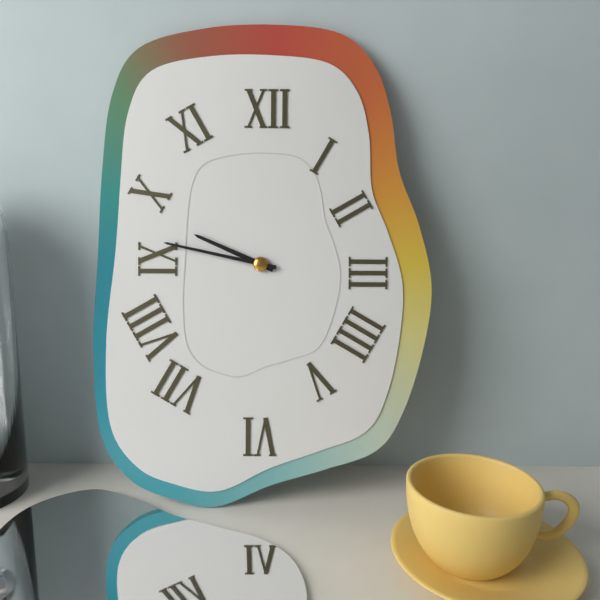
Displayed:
9,47
